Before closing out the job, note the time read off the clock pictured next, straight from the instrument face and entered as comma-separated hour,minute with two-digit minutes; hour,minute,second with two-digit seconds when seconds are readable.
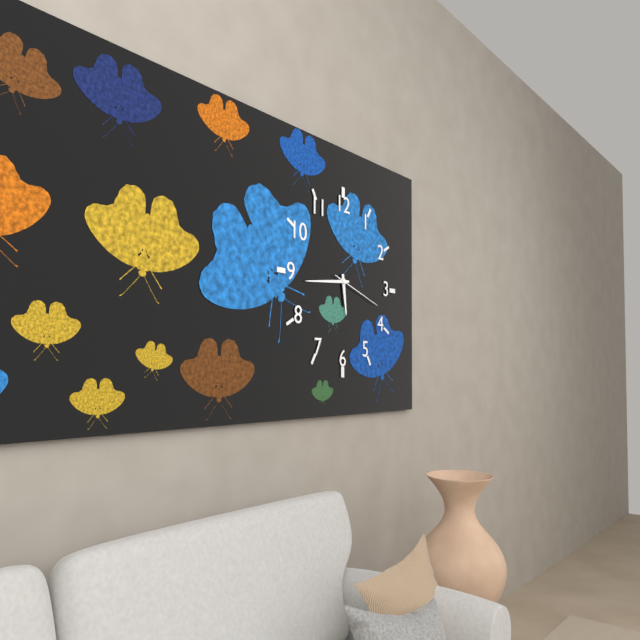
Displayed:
5,44,18
